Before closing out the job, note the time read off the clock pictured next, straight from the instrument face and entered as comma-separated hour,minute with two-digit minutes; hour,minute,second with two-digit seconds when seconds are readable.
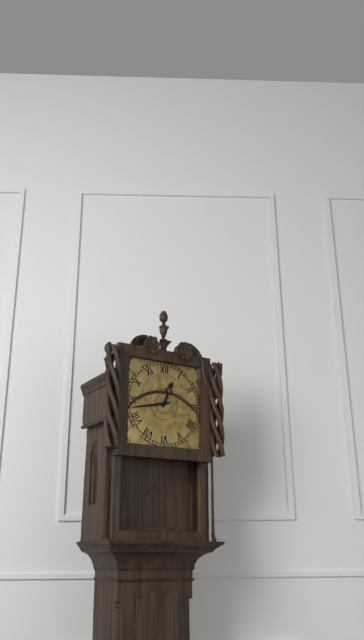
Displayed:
12,43
